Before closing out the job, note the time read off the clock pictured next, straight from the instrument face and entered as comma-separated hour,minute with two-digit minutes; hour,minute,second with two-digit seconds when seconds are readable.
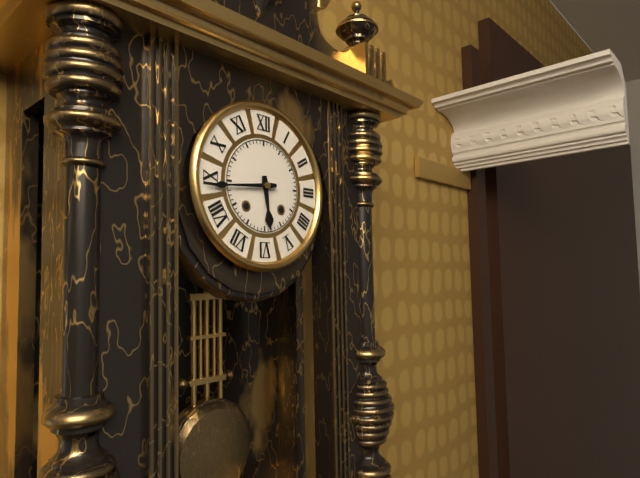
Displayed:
5,44
